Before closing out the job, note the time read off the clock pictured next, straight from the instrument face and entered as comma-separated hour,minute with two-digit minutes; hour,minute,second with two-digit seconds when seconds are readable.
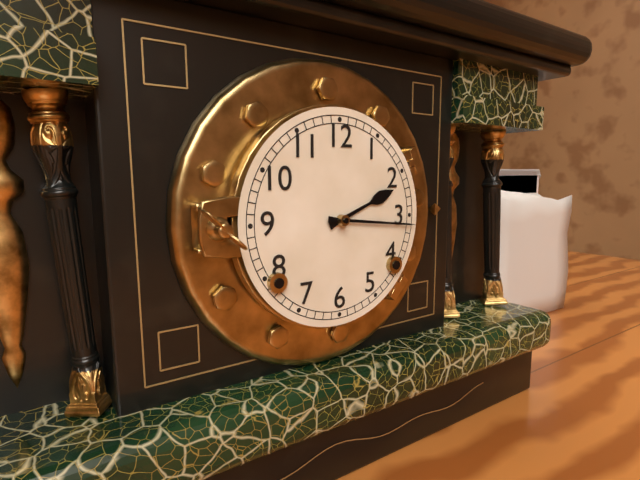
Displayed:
2,16
